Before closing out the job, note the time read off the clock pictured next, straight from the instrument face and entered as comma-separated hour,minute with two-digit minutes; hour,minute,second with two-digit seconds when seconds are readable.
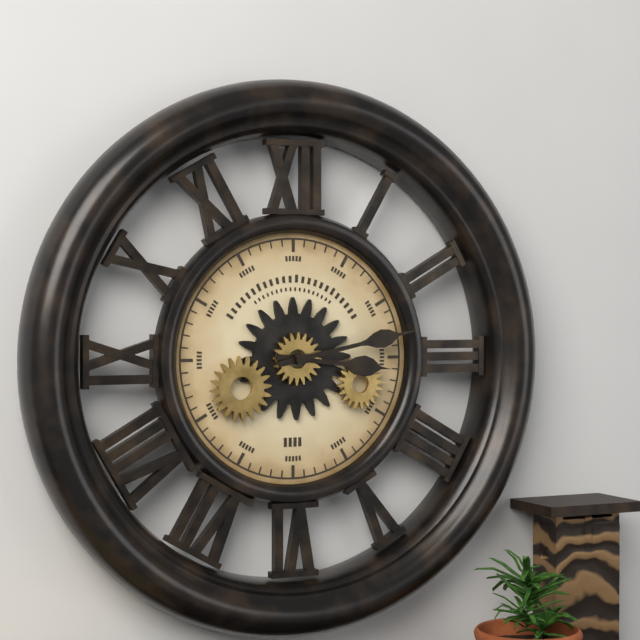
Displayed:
3,13
